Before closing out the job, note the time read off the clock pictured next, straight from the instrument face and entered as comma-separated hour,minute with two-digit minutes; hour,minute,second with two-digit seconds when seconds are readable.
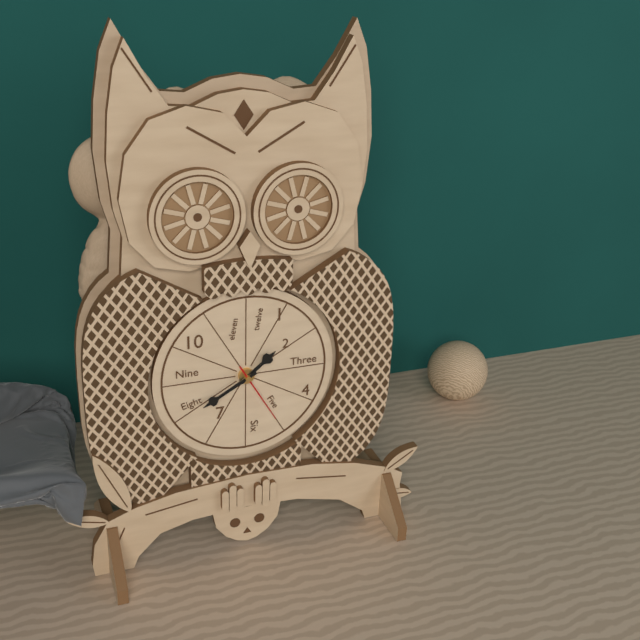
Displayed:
1,40,25
